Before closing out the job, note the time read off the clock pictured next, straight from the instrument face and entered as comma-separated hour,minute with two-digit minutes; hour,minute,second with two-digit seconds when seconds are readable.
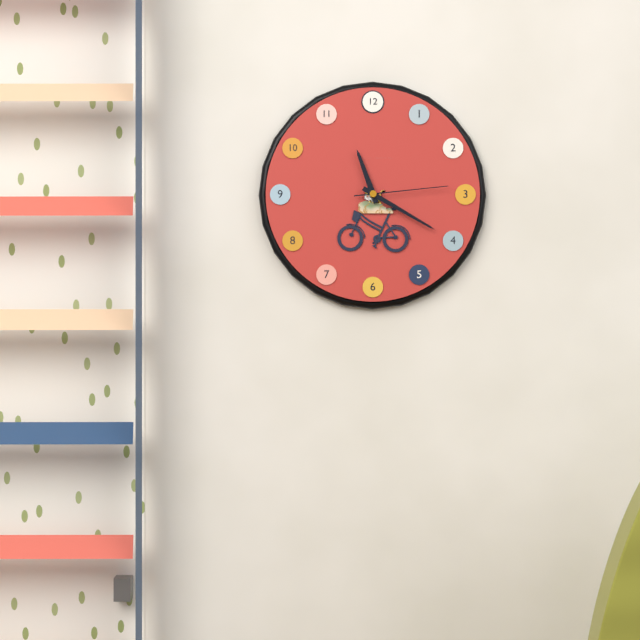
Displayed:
11,20,14
